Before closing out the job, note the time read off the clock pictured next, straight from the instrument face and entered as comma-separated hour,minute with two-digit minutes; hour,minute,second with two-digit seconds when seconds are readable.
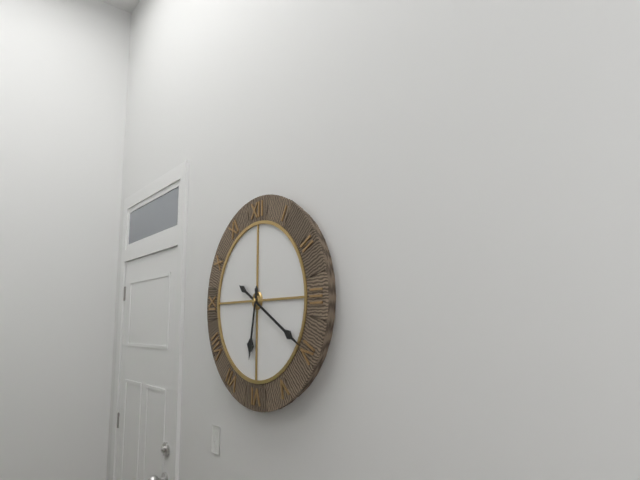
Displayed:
6,20
